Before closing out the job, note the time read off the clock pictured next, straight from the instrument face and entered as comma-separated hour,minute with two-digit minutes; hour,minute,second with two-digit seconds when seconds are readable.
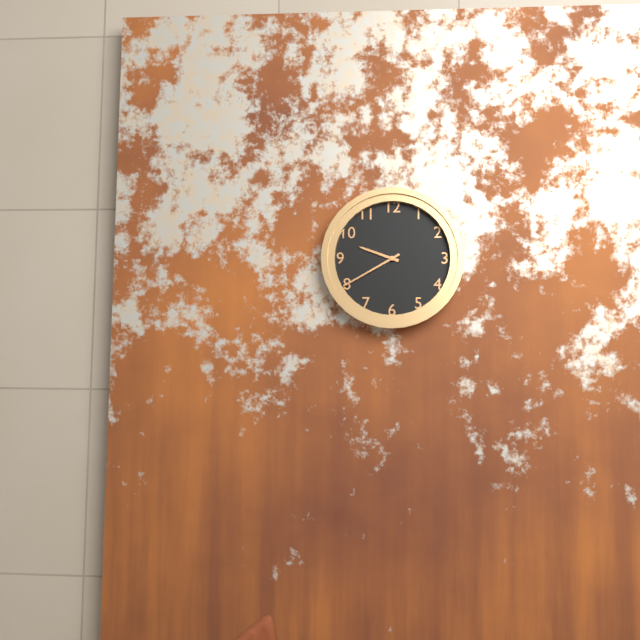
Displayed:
9,40
